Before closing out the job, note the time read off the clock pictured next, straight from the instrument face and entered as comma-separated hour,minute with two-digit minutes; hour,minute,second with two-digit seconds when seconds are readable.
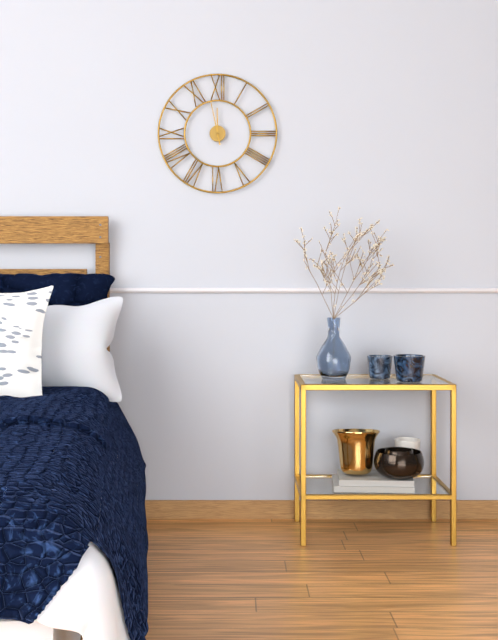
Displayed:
11,58
